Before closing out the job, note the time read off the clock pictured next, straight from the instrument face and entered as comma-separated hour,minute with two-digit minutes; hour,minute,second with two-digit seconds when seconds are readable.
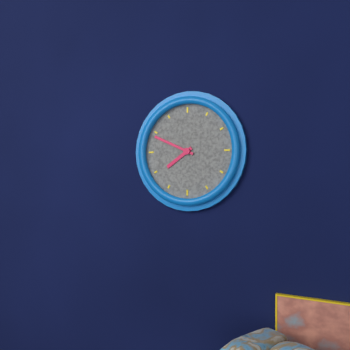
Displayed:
7,49
